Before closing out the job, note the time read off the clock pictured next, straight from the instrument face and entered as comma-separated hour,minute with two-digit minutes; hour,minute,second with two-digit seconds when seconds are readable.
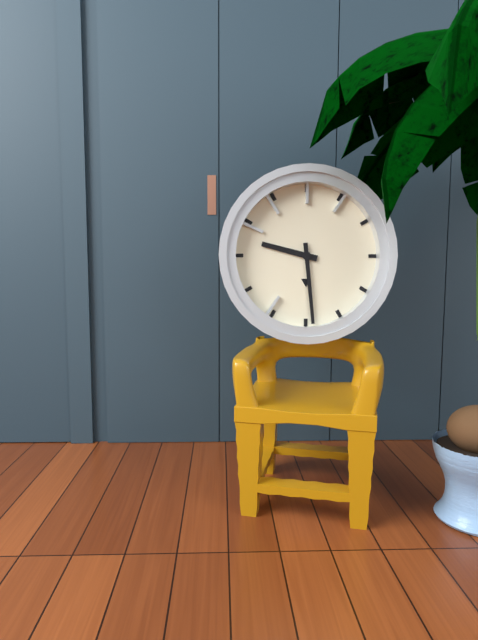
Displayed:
9,29
